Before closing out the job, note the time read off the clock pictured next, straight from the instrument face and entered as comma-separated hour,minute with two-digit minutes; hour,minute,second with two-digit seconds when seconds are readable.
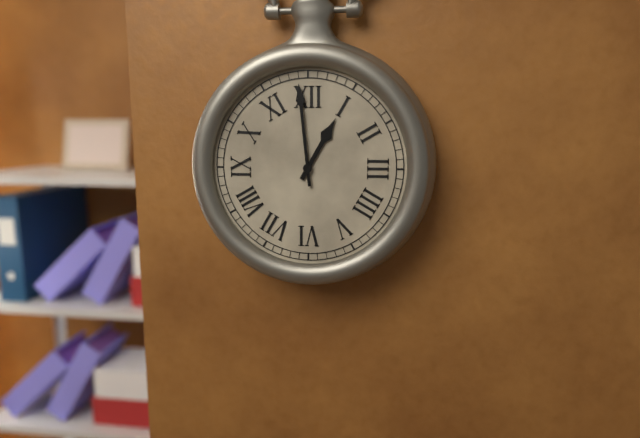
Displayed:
12,59
